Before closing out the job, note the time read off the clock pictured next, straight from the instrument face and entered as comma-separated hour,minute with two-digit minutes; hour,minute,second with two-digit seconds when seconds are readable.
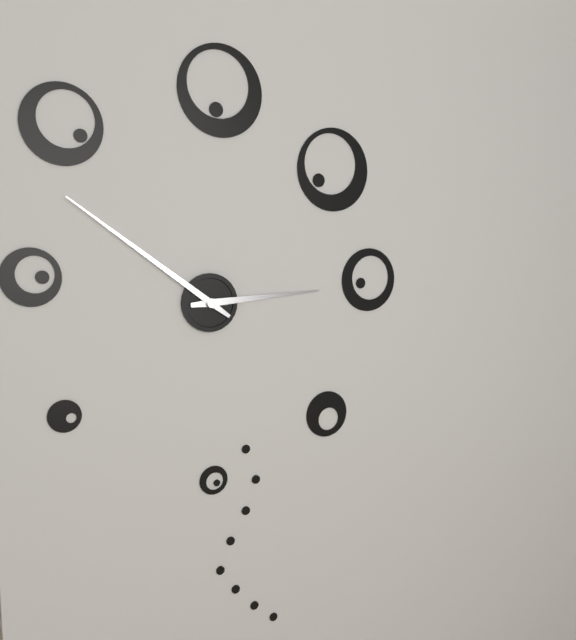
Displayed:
2,51
